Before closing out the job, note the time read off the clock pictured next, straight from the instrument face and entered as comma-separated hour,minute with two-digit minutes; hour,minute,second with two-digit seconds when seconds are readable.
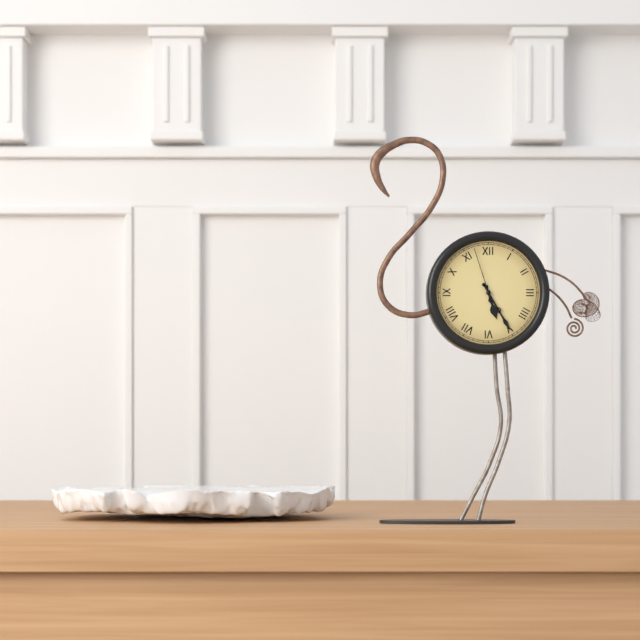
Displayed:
5,25,57
